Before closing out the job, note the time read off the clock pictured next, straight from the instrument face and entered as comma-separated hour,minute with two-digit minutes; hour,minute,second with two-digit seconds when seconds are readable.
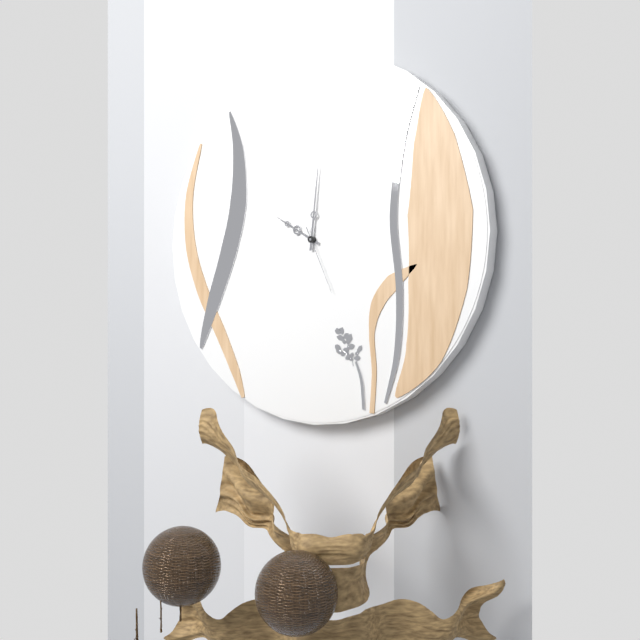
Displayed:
10,01,26
